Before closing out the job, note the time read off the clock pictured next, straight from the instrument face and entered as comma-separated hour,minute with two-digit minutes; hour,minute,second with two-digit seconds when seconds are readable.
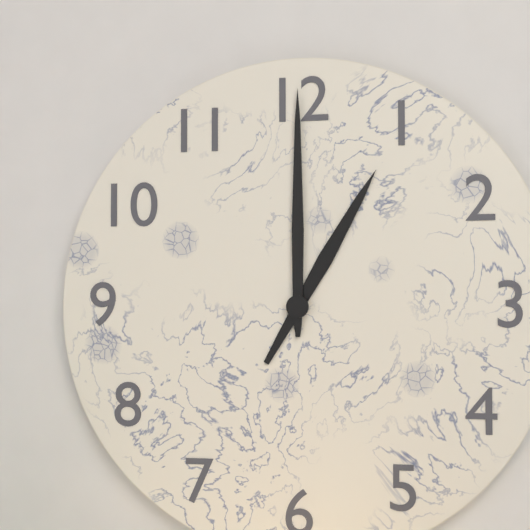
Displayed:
1,00
